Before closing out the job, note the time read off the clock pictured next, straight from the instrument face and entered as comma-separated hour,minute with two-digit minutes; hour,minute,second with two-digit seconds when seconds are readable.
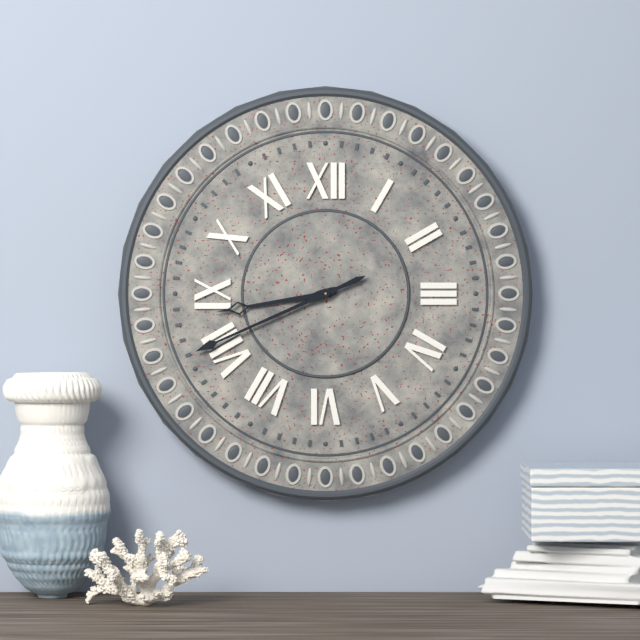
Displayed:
8,41
